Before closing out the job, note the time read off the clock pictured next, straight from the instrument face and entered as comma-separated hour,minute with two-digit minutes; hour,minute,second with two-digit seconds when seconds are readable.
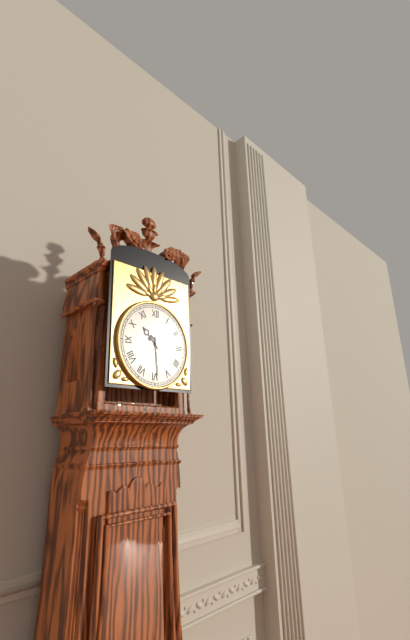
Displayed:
10,29
